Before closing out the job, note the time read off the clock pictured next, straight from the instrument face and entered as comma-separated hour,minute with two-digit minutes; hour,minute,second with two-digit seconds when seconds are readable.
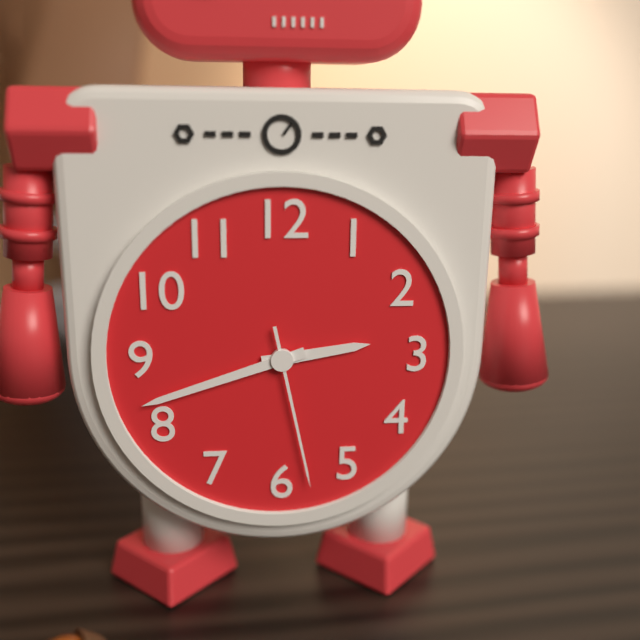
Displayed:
2,42,28
